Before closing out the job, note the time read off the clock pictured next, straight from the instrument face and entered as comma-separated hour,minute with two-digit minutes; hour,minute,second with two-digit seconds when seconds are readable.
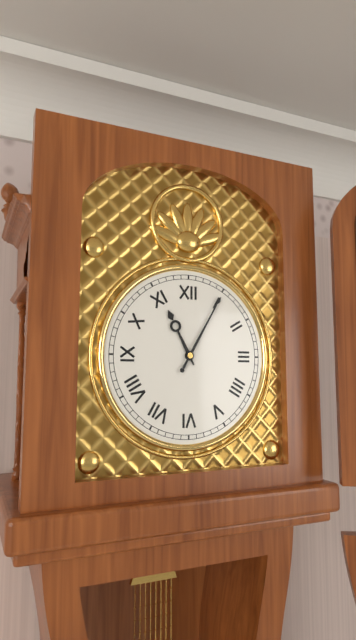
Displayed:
11,05
